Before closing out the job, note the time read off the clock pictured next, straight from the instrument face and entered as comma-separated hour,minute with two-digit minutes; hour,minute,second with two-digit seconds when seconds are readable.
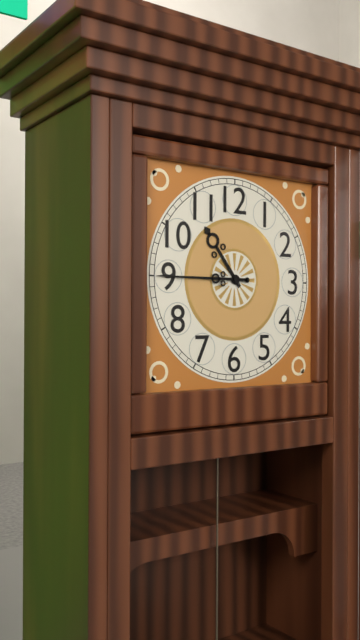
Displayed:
10,45
